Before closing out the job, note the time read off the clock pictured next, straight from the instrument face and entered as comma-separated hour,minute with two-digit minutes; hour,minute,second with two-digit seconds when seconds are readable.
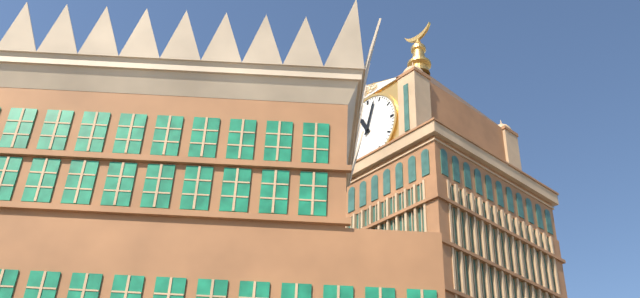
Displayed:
11,03
